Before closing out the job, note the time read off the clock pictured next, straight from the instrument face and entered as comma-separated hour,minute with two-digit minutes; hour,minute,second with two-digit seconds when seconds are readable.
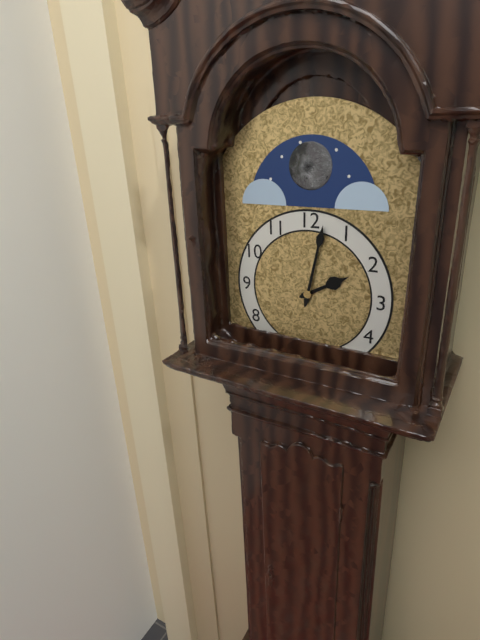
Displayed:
2,02
